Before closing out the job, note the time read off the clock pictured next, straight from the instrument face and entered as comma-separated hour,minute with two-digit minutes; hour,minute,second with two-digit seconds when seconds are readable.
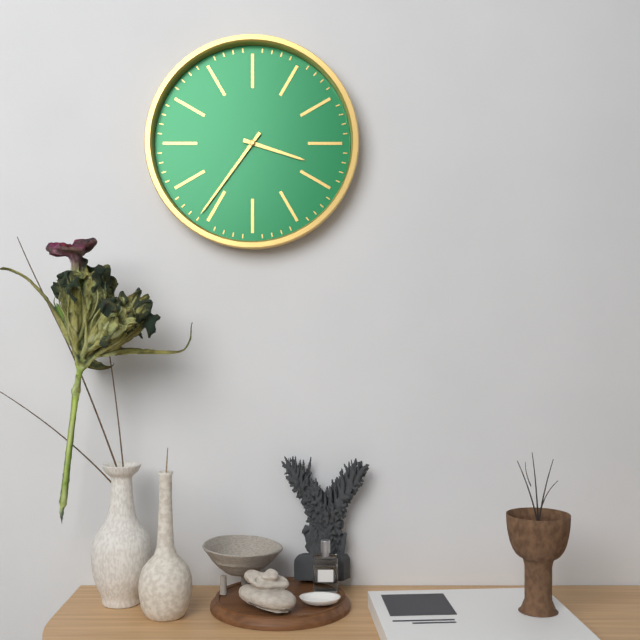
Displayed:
3,36
